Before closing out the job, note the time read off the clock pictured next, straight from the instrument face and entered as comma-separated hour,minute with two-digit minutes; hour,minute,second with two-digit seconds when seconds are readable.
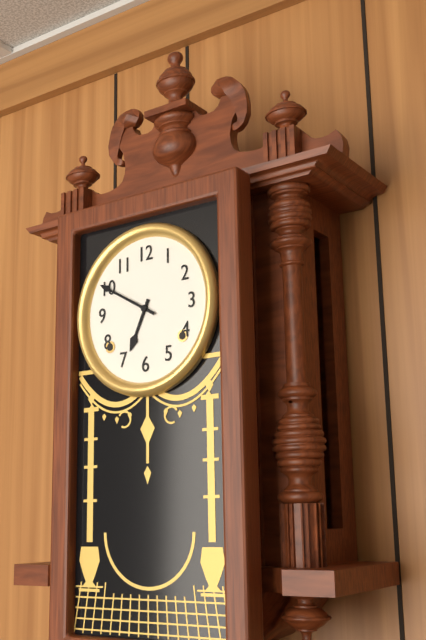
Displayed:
6,50
